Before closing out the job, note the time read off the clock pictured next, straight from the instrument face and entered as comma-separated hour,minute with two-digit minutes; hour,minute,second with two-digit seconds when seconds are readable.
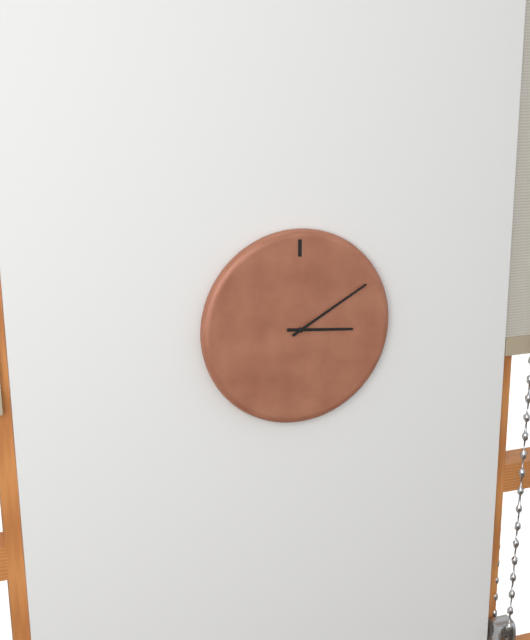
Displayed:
3,10
